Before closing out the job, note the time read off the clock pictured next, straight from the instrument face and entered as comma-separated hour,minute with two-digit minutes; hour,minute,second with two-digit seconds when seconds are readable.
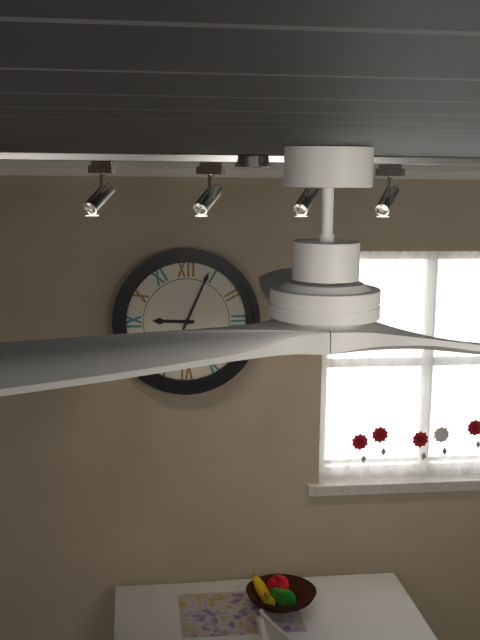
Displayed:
9,04
